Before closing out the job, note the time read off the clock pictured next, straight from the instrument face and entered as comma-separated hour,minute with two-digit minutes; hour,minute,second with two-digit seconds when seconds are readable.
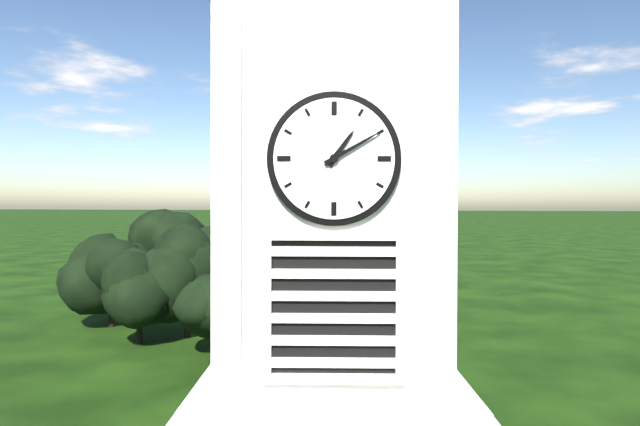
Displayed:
1,10
